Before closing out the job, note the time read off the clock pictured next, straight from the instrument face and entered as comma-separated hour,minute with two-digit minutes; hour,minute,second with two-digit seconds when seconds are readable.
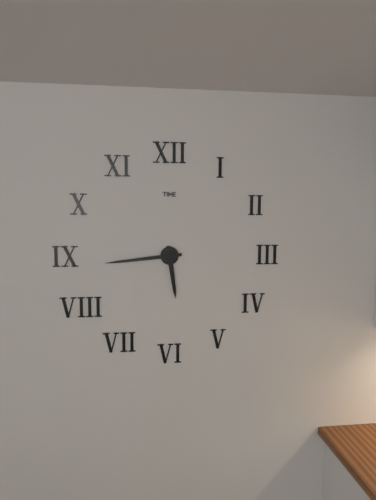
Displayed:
5,44
